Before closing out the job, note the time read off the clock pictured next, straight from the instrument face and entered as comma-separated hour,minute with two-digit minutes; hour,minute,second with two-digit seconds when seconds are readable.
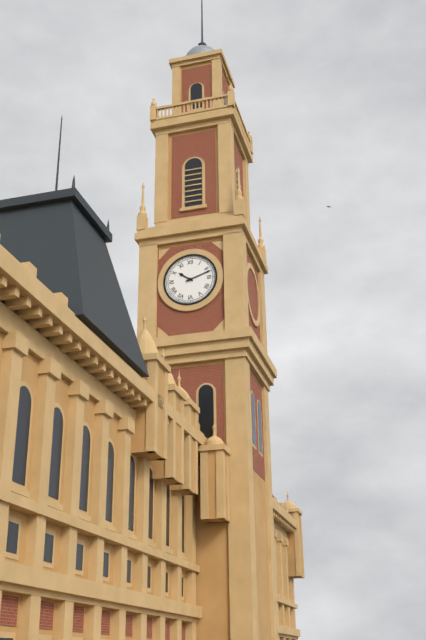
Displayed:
10,12
